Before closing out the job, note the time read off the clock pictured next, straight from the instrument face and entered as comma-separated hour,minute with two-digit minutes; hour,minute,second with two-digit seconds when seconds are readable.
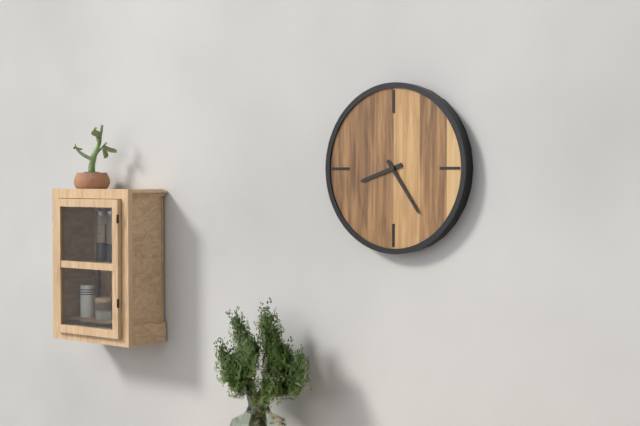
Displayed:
8,24
